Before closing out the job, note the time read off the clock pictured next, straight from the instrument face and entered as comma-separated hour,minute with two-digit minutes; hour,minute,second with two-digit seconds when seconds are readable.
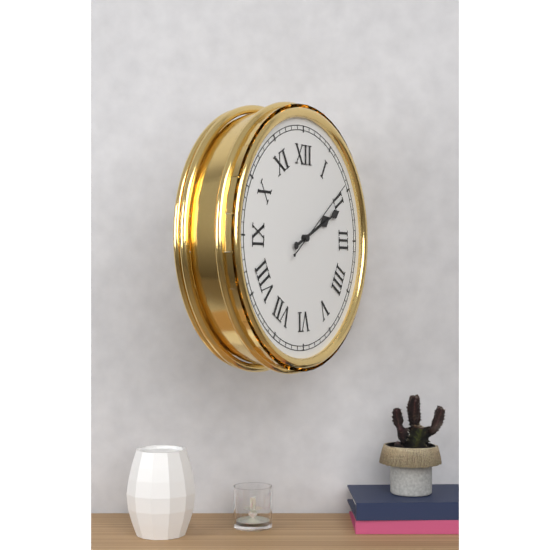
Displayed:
2,11,09
